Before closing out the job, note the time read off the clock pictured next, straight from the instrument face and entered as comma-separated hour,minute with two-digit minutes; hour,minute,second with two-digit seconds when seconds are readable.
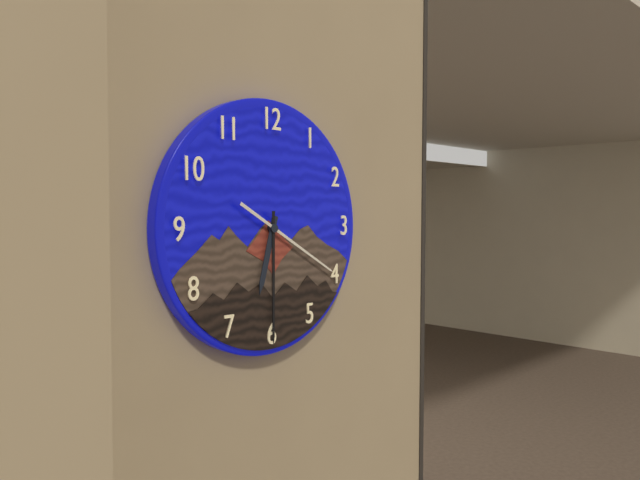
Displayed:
6,30,20
